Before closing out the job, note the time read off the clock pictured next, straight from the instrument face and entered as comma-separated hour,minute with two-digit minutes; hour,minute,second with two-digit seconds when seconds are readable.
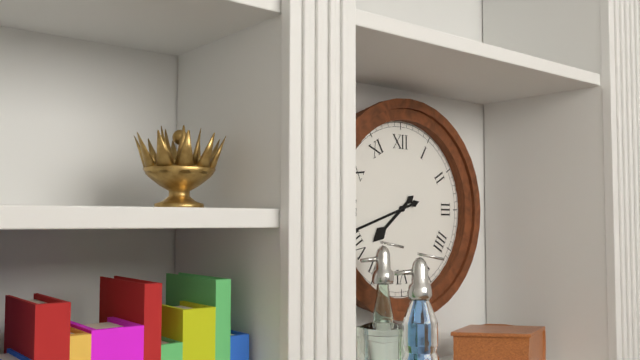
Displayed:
7,42
